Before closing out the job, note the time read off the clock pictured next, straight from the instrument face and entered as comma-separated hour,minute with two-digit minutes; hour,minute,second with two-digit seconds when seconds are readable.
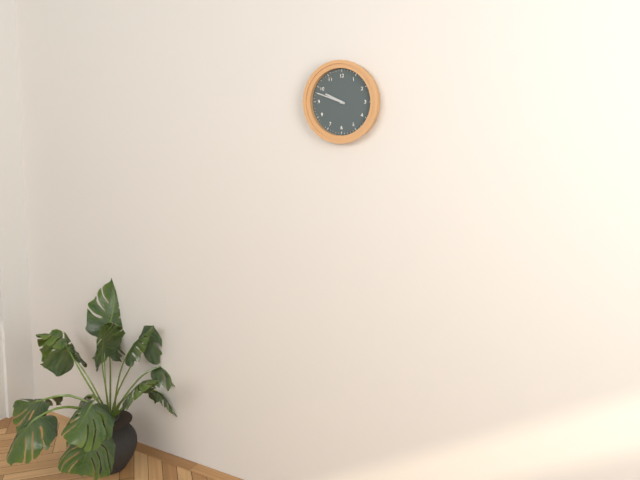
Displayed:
9,48
